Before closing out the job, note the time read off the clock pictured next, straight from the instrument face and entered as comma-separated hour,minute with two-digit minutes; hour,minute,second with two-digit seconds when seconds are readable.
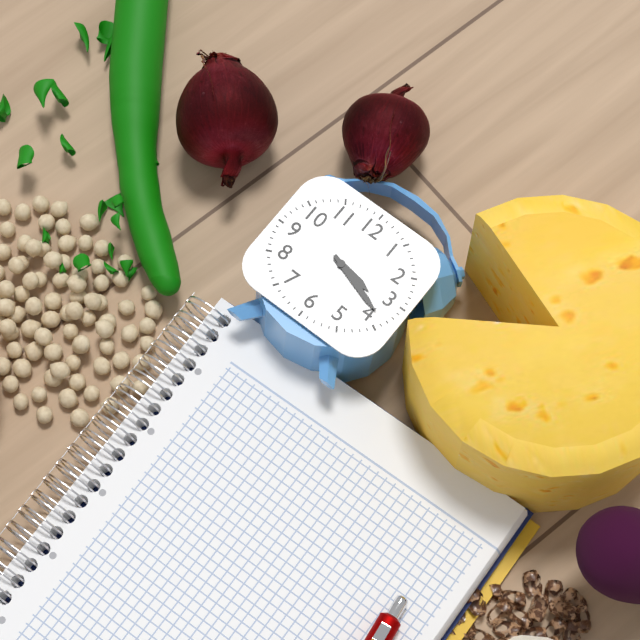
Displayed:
3,18
